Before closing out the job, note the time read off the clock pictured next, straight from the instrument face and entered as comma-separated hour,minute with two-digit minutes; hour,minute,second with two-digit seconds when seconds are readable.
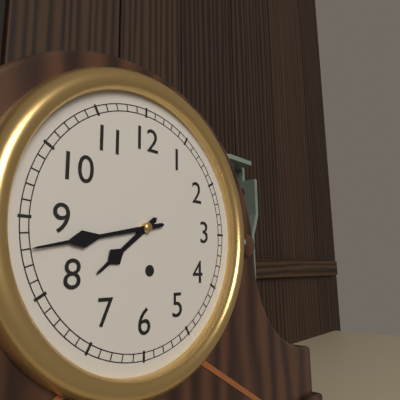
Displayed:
7,43
